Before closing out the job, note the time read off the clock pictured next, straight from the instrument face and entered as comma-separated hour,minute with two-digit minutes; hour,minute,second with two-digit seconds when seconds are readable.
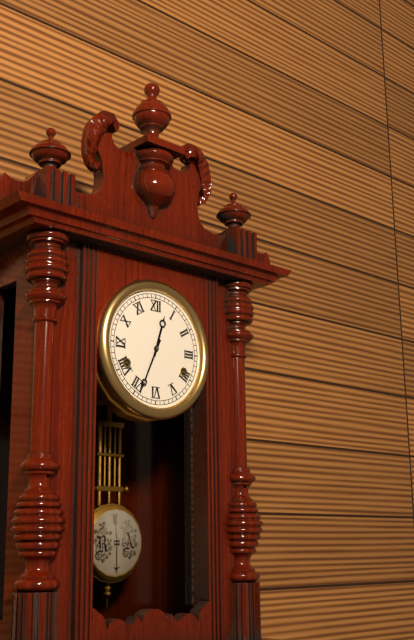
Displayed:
12,34
